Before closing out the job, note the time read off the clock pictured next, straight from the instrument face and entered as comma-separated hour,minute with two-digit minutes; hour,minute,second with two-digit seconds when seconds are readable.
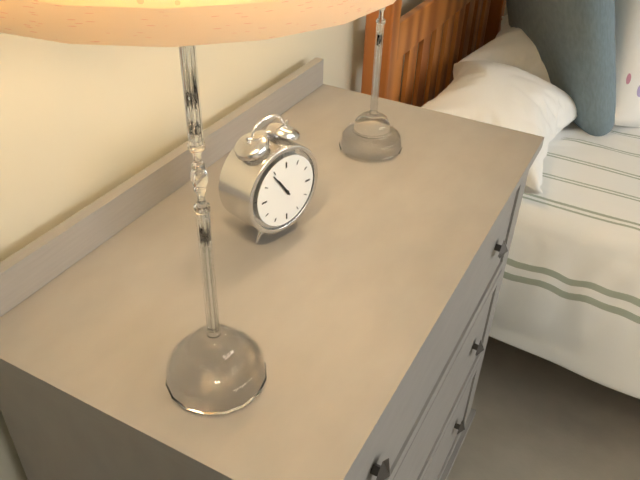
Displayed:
10,54
